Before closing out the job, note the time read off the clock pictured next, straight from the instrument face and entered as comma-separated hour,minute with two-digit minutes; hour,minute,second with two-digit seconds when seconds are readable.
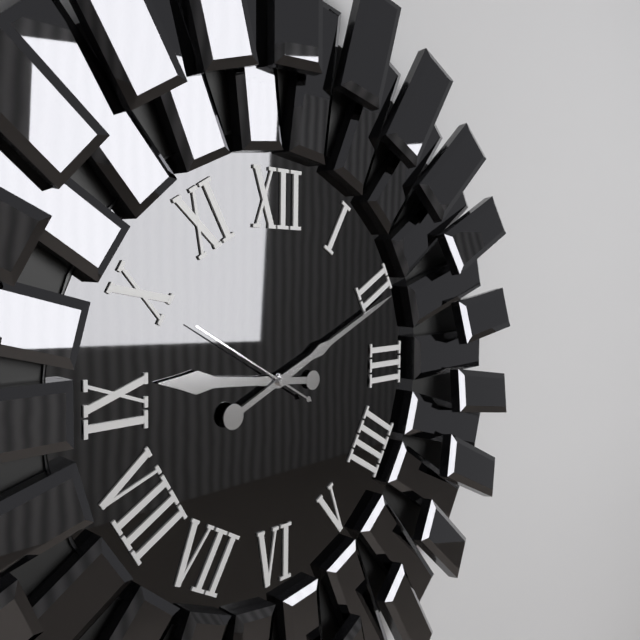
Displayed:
9,11,50
